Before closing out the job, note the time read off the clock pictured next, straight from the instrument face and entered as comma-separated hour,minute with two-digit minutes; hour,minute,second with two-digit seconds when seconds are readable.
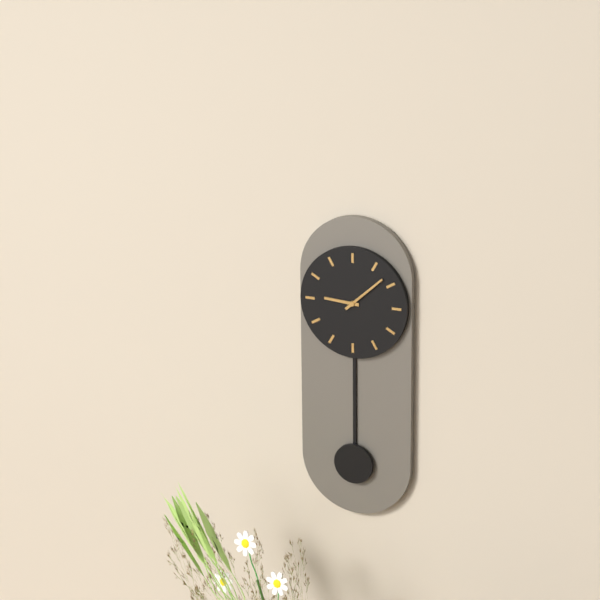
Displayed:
9,08
